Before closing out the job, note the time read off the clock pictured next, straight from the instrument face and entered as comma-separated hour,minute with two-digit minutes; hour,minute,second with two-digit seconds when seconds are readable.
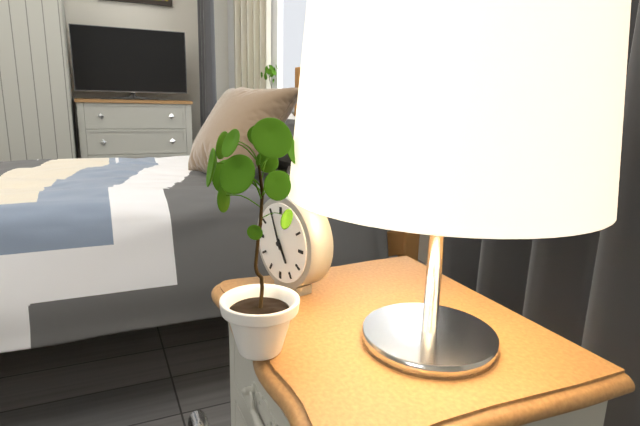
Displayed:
4,56
